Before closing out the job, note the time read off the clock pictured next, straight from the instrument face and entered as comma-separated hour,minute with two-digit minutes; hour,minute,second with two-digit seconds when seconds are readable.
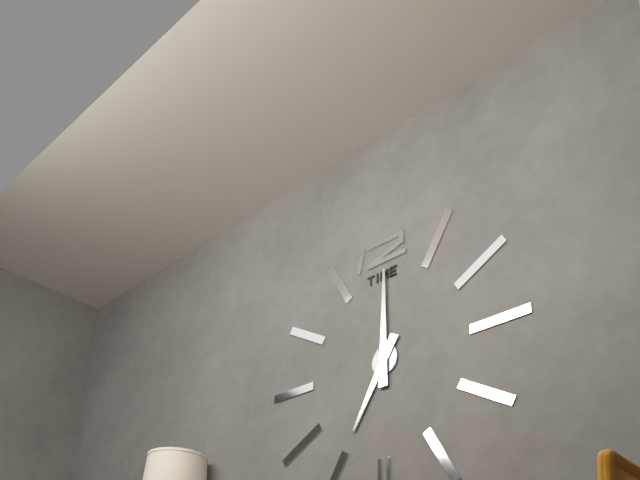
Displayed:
7,00
